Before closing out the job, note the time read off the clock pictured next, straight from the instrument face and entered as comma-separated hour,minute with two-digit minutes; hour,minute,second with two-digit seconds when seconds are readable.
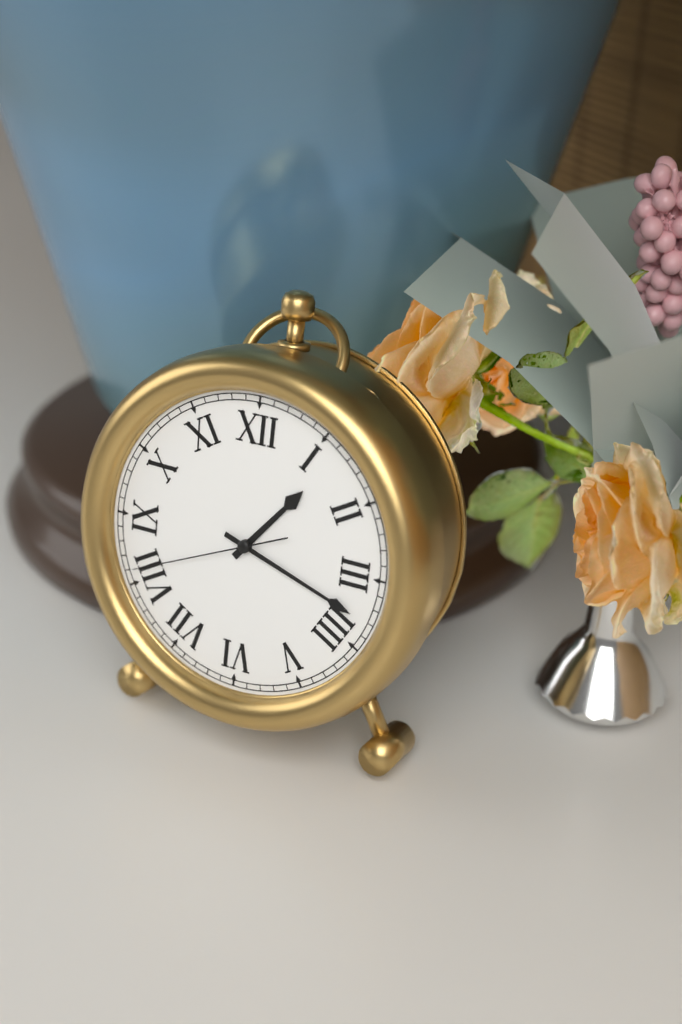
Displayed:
1,18,41
